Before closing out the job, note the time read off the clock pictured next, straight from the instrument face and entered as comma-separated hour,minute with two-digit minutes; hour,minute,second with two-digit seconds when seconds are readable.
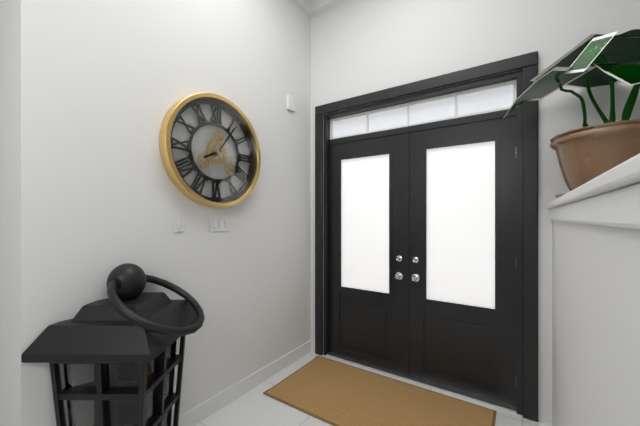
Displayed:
8,06
